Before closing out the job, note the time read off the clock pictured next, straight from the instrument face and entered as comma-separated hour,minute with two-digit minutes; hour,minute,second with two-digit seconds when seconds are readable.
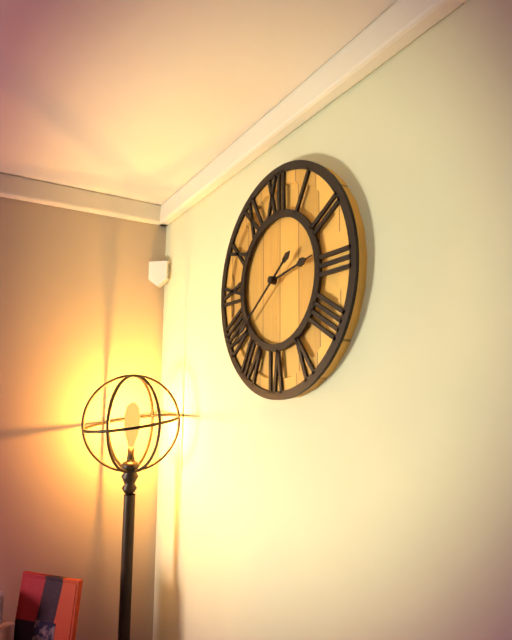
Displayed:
2,39
